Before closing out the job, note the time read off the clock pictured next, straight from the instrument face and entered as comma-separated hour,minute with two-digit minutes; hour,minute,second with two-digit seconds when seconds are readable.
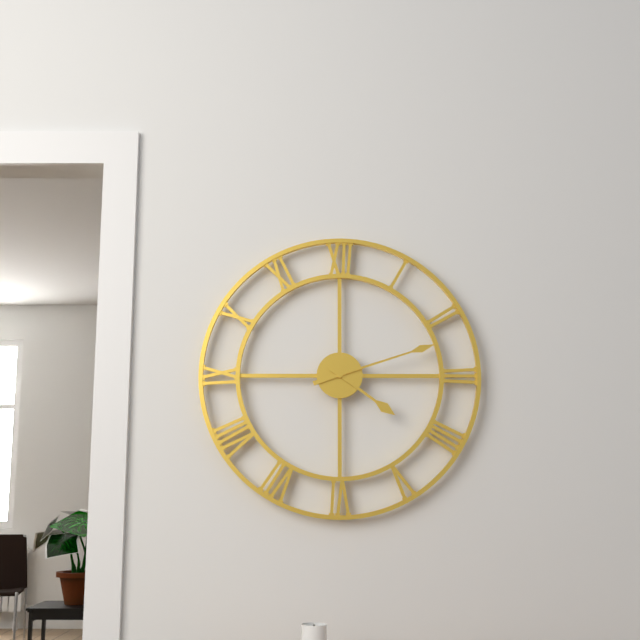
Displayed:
4,12
